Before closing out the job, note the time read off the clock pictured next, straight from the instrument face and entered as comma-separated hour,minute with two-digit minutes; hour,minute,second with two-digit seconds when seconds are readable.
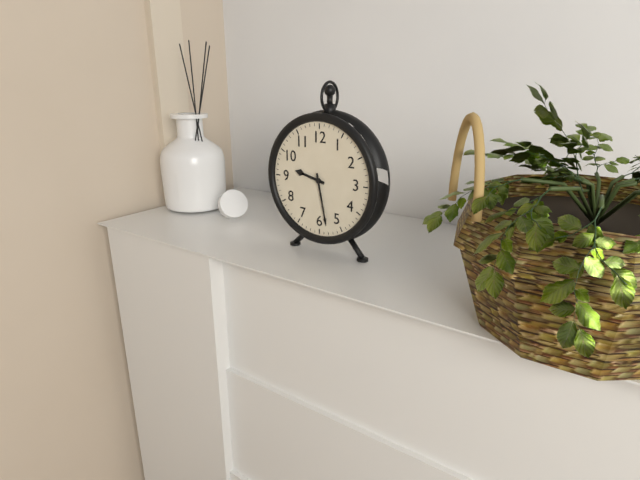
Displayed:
9,28
